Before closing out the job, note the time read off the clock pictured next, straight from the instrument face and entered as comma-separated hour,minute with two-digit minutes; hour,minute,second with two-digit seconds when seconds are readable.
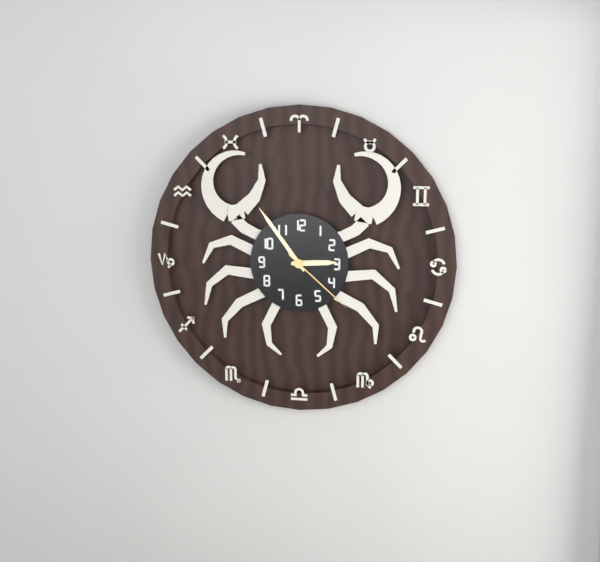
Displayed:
2,54,22
